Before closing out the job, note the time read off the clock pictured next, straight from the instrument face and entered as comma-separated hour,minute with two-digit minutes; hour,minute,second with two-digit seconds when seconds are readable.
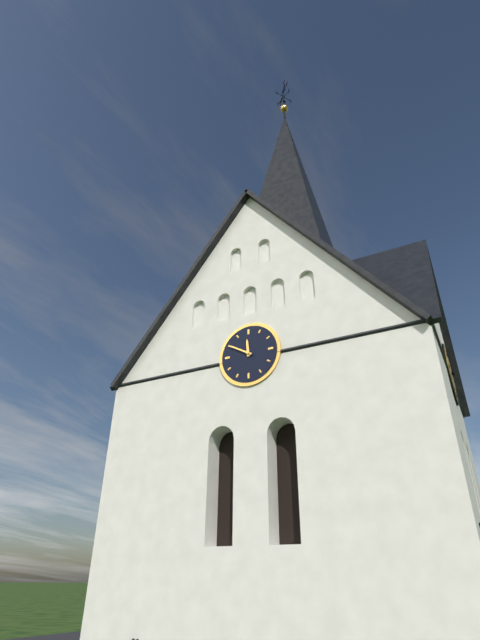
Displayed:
11,50
